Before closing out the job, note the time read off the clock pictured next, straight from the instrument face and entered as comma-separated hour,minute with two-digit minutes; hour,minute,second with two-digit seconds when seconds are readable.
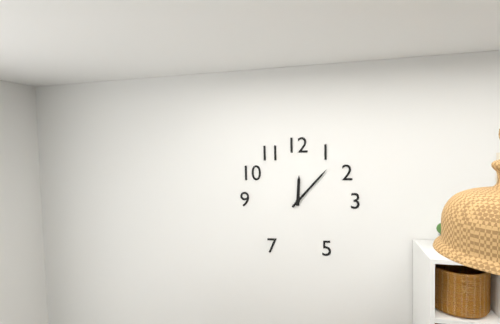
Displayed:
12,07
